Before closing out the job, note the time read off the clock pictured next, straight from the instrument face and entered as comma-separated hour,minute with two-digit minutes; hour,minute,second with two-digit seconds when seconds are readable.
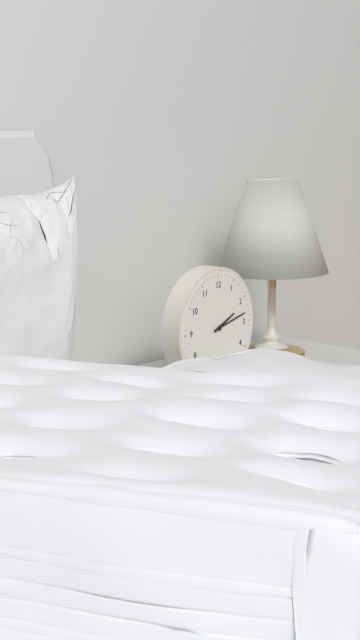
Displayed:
2,13
